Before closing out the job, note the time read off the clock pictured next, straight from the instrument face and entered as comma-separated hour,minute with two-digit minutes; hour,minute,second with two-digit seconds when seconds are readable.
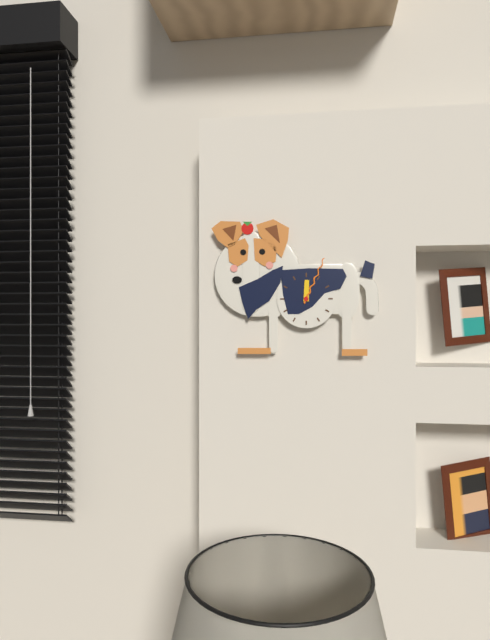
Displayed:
12,04
